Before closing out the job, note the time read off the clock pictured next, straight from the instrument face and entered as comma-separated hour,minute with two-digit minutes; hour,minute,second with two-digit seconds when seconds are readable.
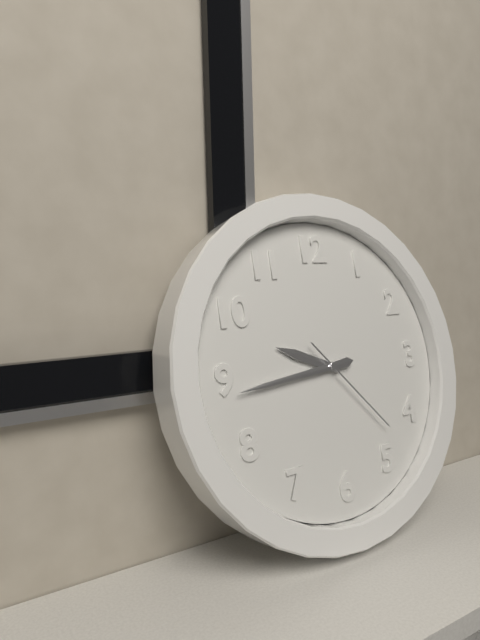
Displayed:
9,44,23
